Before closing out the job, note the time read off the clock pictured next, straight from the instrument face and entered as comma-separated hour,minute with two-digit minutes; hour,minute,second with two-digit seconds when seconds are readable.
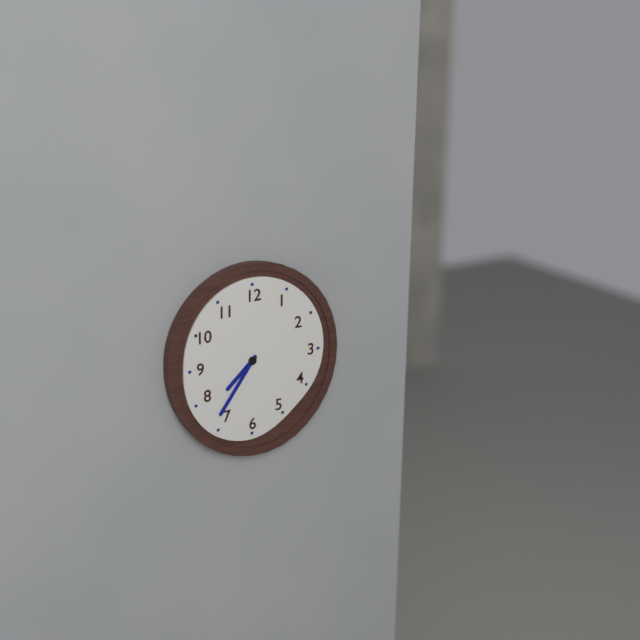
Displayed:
7,36
